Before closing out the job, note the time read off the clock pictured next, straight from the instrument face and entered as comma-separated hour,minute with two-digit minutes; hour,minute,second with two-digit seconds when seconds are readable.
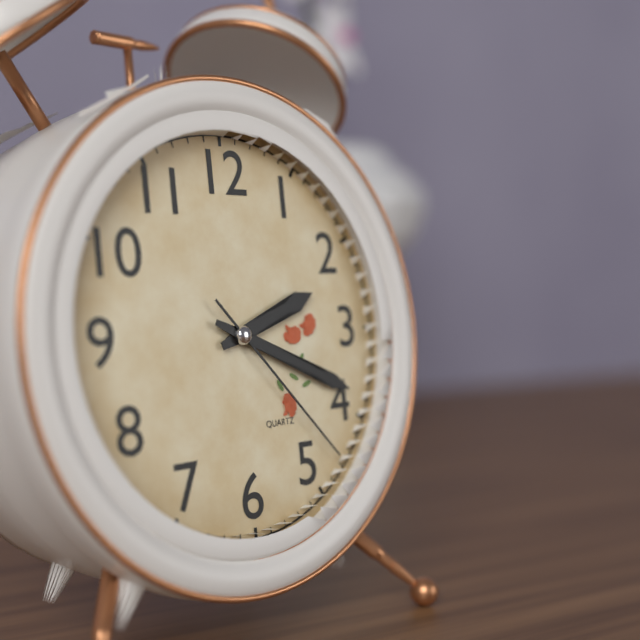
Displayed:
2,19,23
